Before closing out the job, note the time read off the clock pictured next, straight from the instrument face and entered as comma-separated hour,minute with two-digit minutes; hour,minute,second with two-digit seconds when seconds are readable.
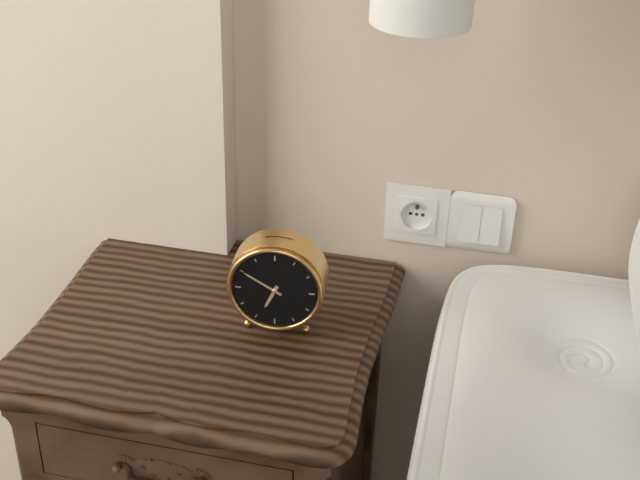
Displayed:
6,50
